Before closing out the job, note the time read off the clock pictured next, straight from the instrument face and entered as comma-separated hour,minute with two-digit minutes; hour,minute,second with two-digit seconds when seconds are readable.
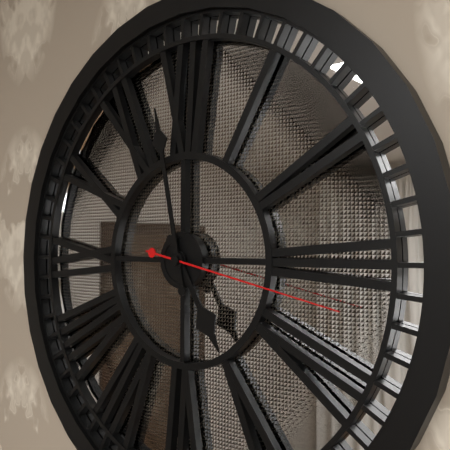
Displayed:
4,58,17
